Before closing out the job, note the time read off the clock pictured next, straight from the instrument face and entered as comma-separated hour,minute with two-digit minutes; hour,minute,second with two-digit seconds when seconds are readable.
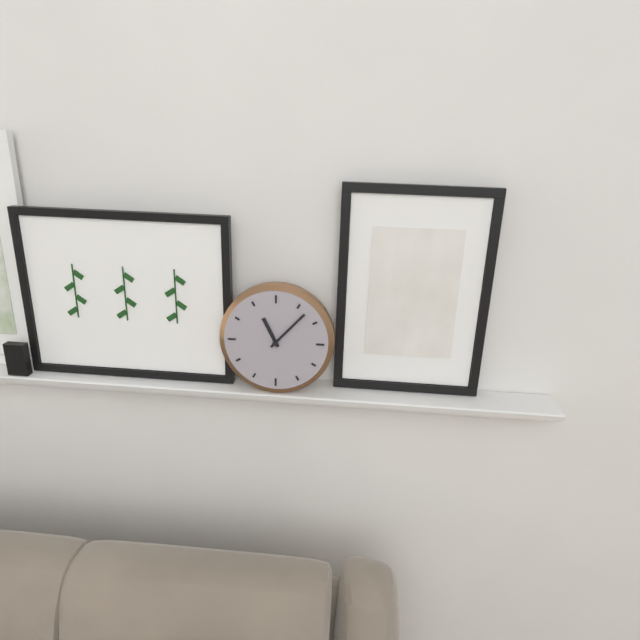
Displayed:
11,07
